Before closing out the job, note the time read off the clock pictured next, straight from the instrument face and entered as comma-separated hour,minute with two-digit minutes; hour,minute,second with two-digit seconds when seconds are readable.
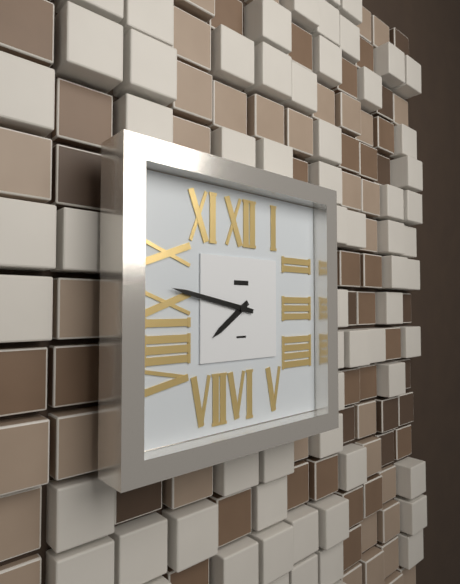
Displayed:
7,47
